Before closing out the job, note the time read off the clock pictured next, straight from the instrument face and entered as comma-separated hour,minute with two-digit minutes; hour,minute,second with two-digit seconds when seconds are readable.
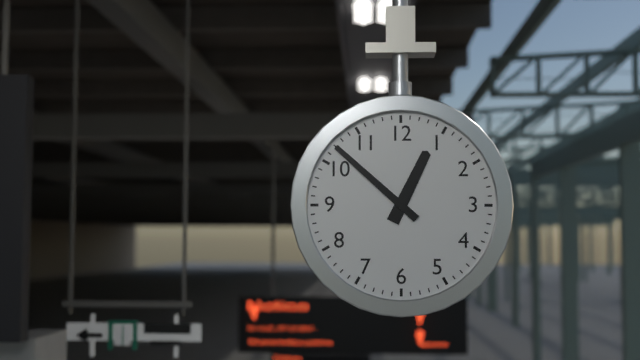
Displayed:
12,52
